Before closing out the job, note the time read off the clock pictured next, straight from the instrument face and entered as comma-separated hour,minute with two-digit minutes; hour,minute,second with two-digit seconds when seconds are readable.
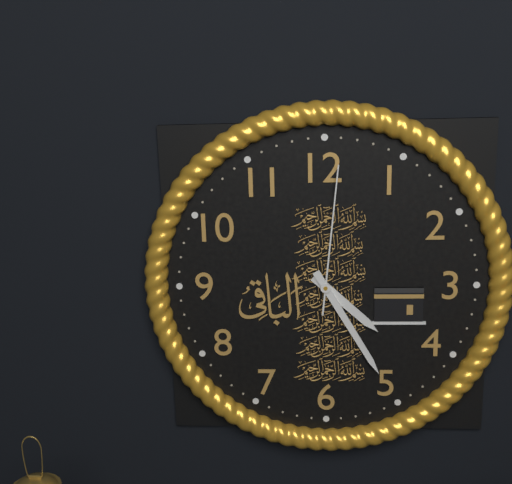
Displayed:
4,25,01
